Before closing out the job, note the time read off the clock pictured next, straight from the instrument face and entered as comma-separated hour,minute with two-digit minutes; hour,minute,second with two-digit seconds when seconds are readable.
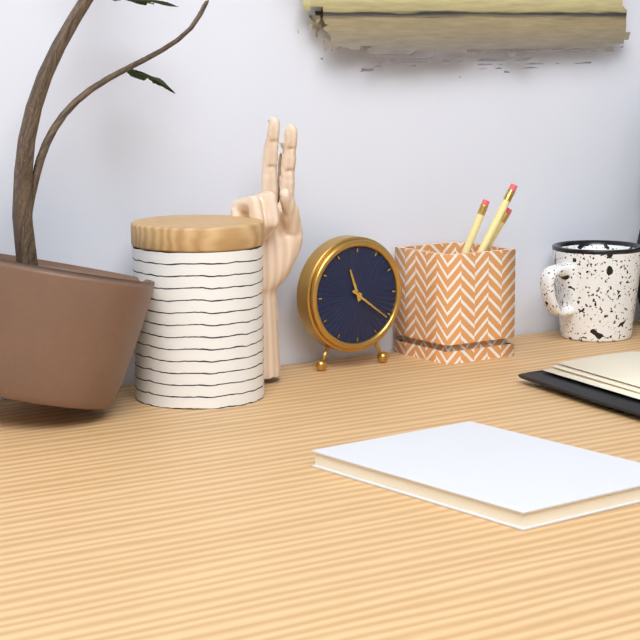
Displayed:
11,21
